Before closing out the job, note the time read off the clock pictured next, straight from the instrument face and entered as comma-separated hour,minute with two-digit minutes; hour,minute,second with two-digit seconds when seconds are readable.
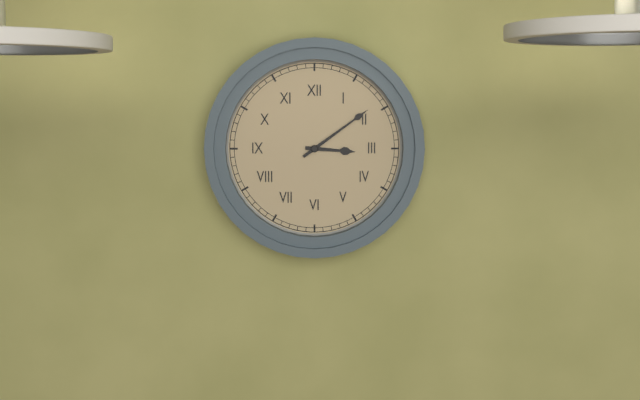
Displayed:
3,09
